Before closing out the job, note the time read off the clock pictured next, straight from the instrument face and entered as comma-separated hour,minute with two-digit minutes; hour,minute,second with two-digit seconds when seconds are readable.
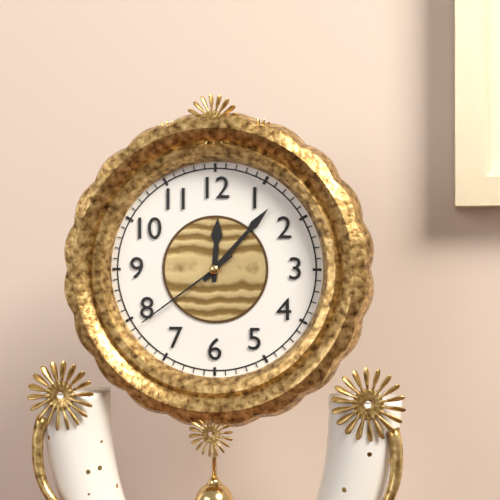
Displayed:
12,07,39
